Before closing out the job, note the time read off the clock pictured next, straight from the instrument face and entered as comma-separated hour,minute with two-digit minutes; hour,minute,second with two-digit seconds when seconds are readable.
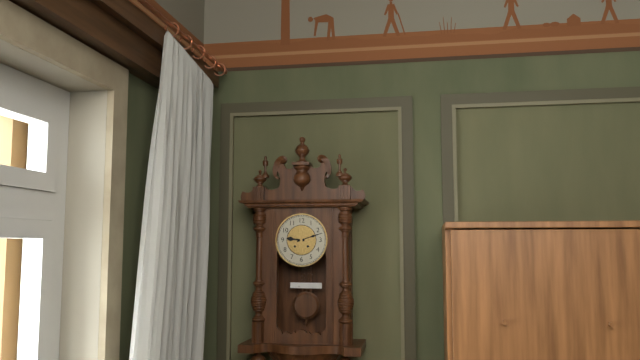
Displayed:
9,12
